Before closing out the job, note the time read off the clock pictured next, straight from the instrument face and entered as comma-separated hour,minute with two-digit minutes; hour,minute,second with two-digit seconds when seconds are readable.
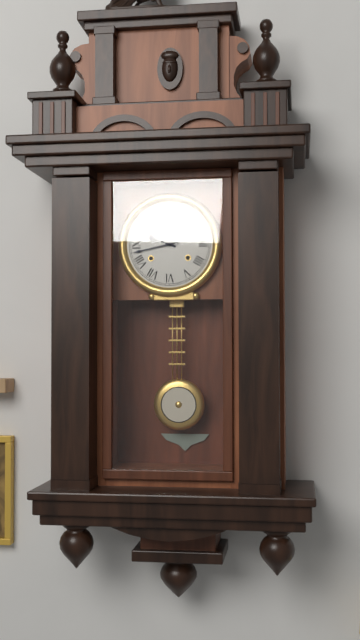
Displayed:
9,43
